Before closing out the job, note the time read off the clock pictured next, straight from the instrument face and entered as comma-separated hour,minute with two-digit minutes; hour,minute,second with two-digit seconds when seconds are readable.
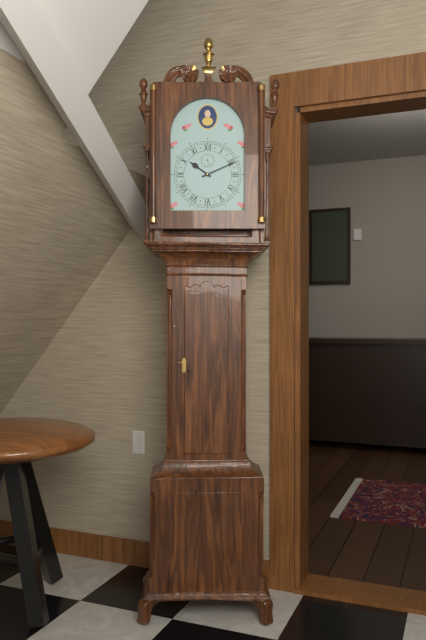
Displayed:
10,11
